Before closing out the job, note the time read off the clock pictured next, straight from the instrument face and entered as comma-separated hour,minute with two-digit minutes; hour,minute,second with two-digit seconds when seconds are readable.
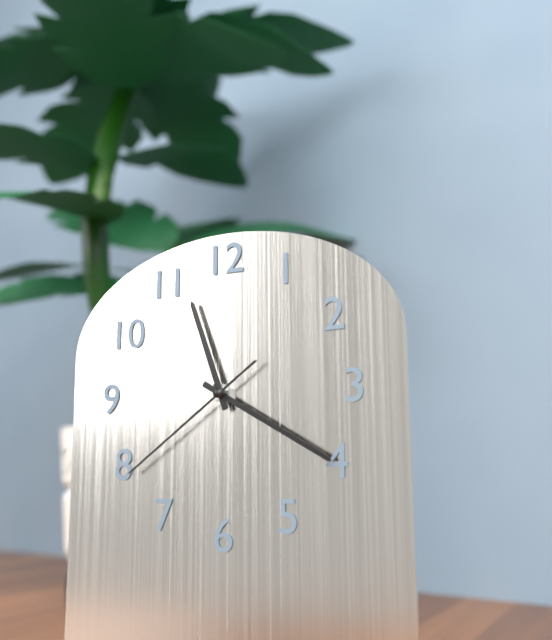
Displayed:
11,20,39
